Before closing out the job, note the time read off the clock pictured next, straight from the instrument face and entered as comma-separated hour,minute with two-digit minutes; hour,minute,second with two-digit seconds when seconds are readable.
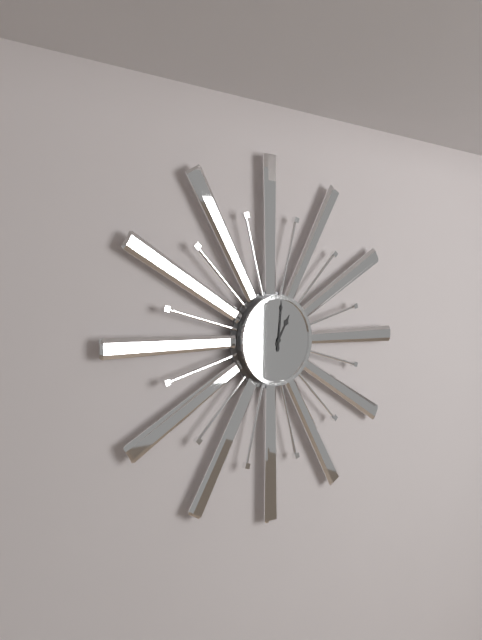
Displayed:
1,01
